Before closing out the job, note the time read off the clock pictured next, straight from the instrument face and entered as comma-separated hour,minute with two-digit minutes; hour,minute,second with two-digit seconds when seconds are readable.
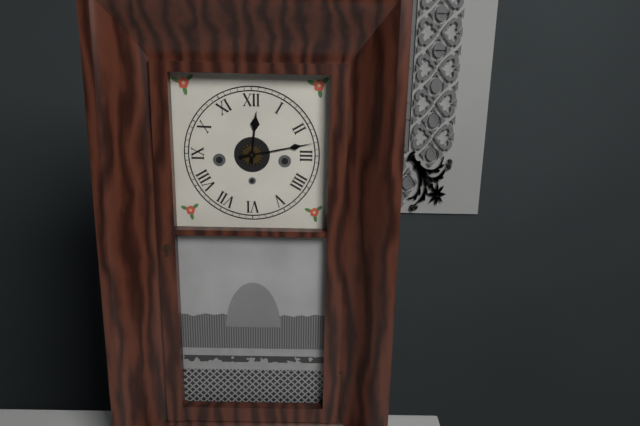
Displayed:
12,13
